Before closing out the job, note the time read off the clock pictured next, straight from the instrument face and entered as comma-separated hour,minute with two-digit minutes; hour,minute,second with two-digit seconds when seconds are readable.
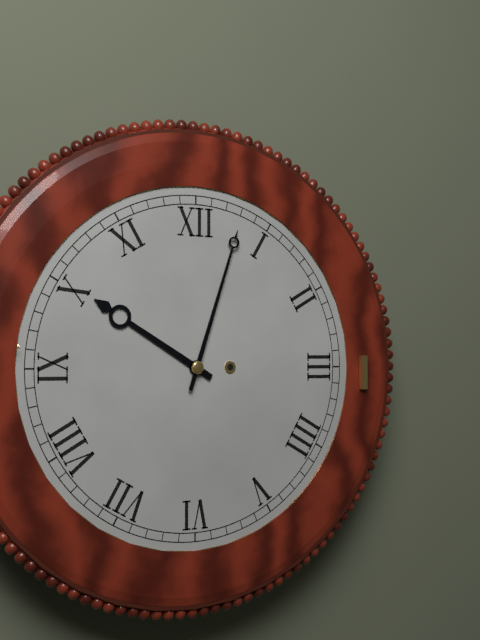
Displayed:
10,03
